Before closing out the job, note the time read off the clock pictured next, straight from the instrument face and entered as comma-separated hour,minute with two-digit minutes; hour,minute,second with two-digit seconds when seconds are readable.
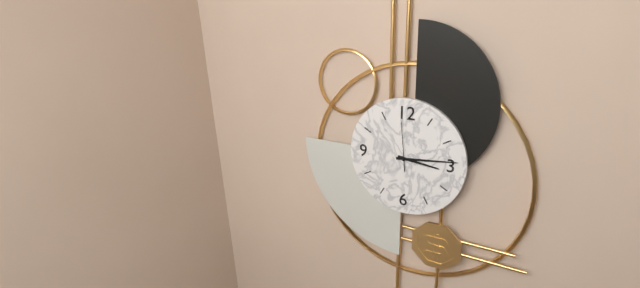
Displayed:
3,14
